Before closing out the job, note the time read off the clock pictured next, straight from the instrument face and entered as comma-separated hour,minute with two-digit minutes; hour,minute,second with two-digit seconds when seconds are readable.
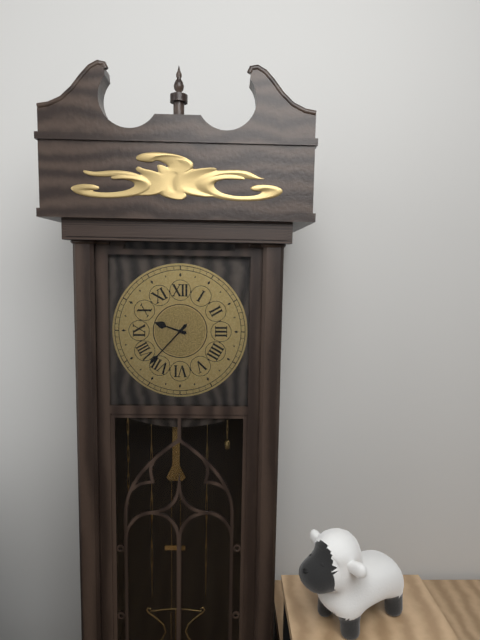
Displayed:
9,37
